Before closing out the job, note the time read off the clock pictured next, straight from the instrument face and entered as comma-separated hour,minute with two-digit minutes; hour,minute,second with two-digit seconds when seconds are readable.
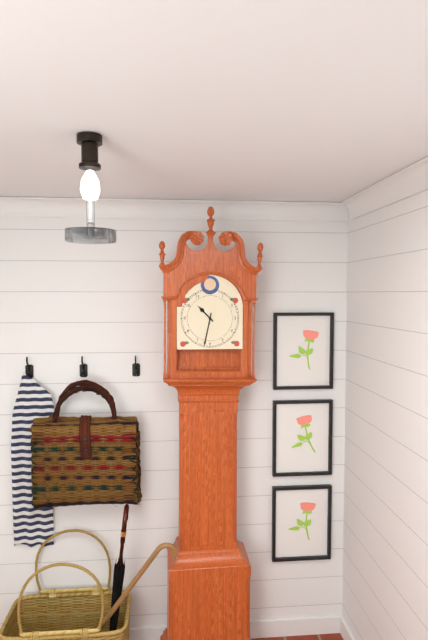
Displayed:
10,32
